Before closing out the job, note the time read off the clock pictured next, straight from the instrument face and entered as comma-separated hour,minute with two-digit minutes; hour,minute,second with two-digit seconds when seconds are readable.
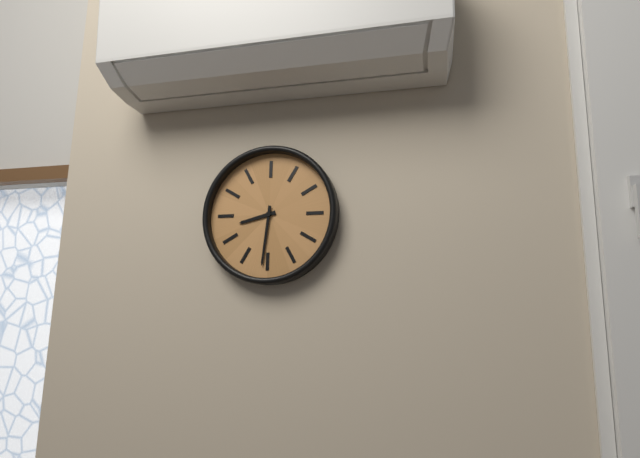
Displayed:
8,31
